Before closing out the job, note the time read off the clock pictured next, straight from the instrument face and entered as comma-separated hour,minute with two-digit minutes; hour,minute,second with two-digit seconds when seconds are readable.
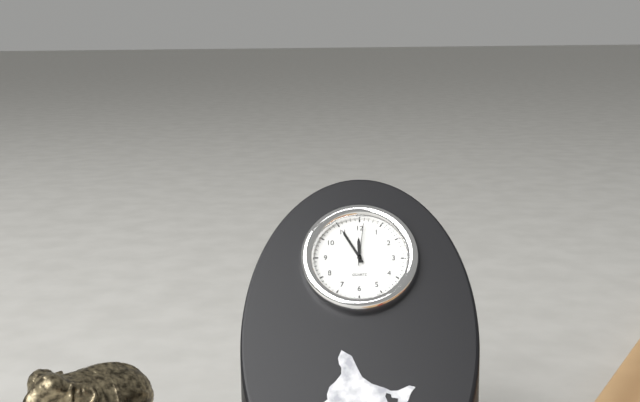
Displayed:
11,55
